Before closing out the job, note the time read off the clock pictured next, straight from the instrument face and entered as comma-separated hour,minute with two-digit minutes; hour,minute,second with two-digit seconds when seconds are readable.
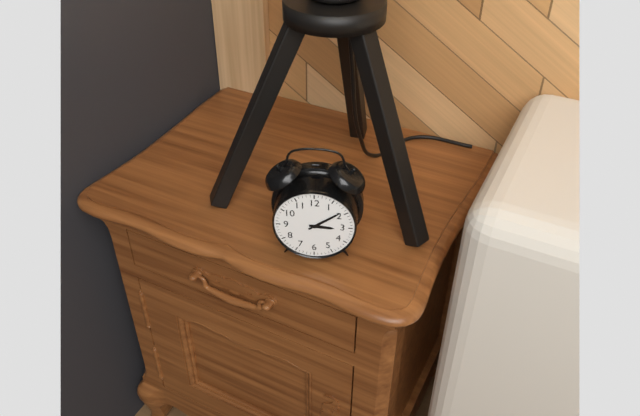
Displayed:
3,09
